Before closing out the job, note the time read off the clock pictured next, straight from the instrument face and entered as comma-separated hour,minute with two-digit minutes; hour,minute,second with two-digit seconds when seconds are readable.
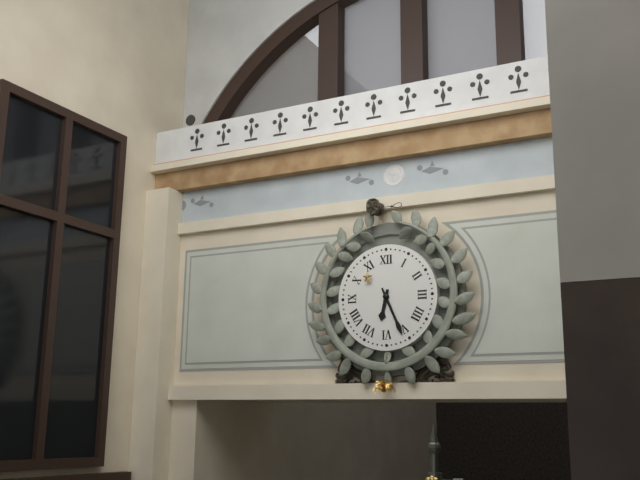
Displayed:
6,26
